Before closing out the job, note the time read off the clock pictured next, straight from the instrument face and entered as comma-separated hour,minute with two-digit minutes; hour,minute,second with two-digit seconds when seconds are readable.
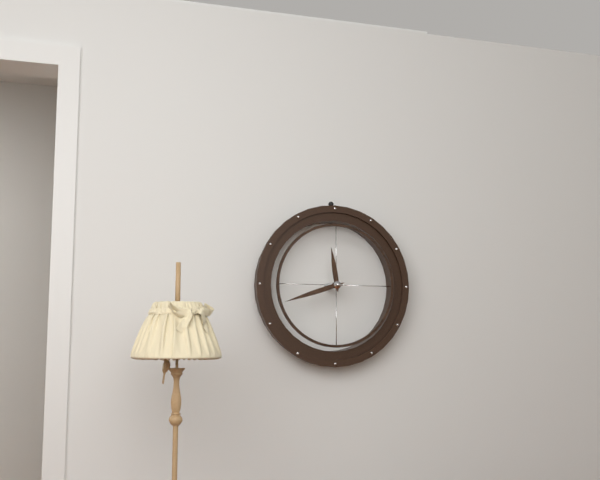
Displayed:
11,42
